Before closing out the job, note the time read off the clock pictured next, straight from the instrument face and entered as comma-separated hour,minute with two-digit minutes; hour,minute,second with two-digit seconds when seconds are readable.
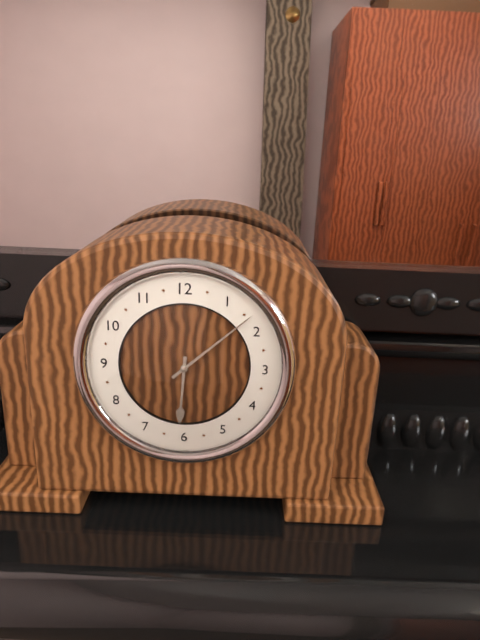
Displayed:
6,08
